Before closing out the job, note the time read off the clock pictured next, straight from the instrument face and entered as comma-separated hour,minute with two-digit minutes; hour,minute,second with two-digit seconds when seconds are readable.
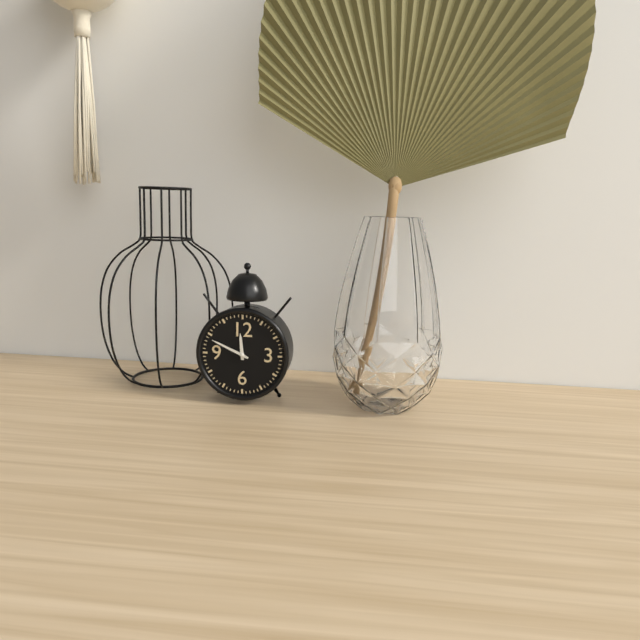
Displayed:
11,49
